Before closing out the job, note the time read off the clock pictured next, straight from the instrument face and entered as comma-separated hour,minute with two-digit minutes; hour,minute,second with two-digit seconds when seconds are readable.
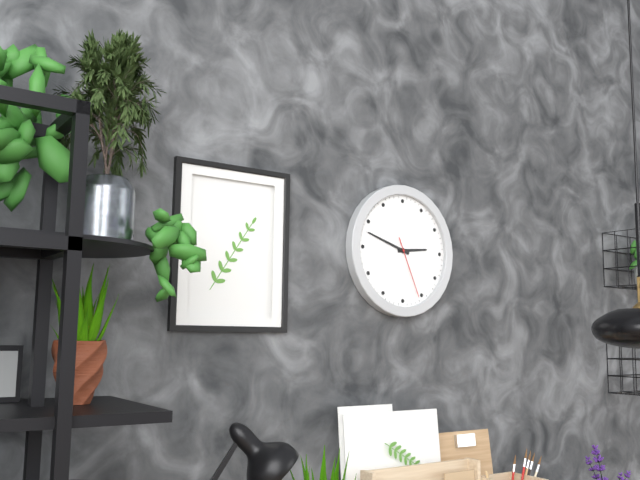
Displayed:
2,48,26
